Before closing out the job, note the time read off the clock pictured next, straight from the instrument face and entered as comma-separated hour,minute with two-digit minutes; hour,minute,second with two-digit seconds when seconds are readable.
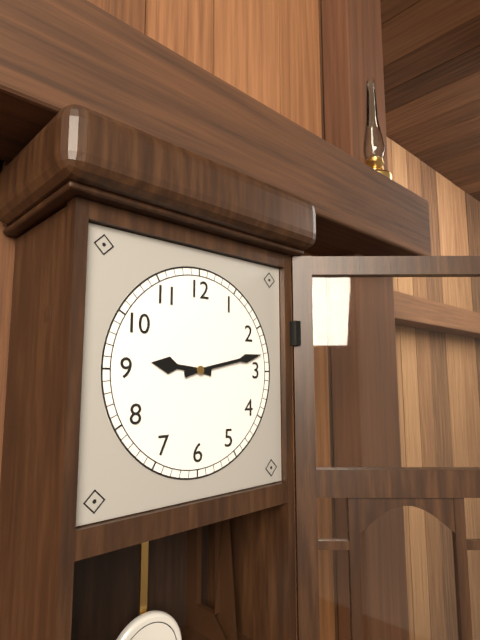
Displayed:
9,13
